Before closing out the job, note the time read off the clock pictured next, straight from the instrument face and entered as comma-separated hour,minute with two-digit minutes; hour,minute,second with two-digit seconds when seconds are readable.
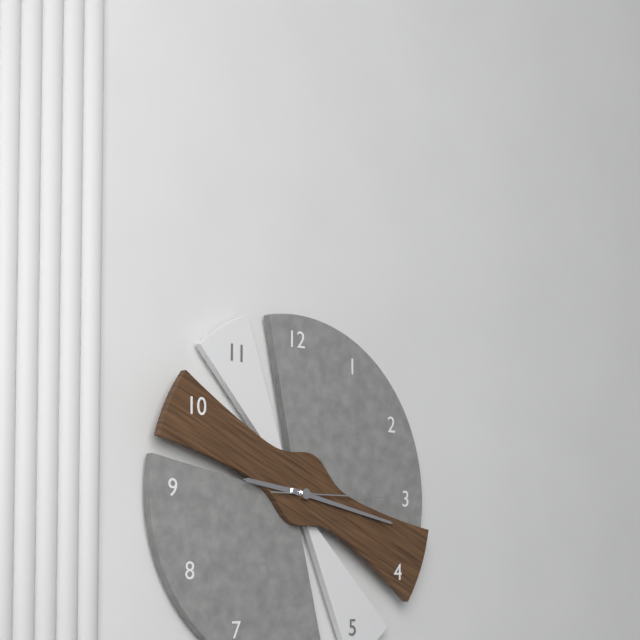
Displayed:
9,17,15
